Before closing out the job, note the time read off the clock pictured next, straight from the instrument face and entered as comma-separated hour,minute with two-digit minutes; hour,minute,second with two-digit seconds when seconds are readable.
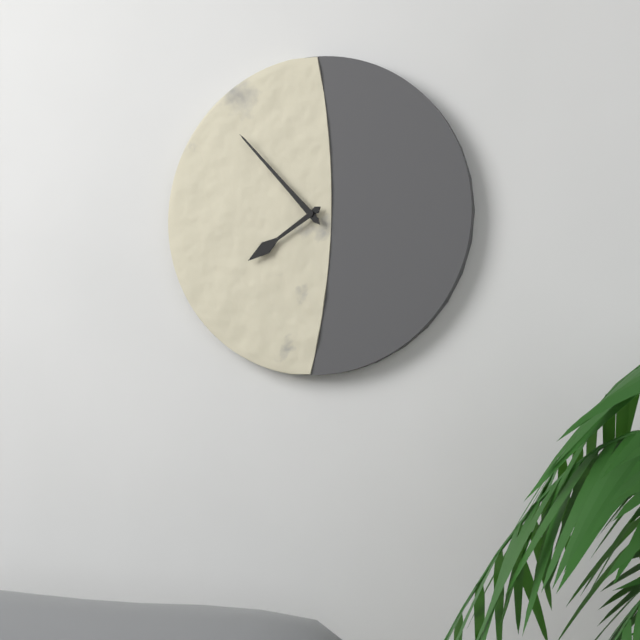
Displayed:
7,53
